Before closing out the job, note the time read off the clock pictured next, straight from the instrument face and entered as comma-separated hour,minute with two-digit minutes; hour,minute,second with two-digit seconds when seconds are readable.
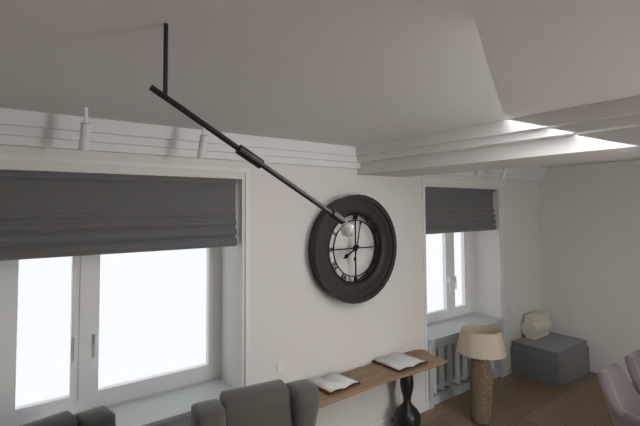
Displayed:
8,02
